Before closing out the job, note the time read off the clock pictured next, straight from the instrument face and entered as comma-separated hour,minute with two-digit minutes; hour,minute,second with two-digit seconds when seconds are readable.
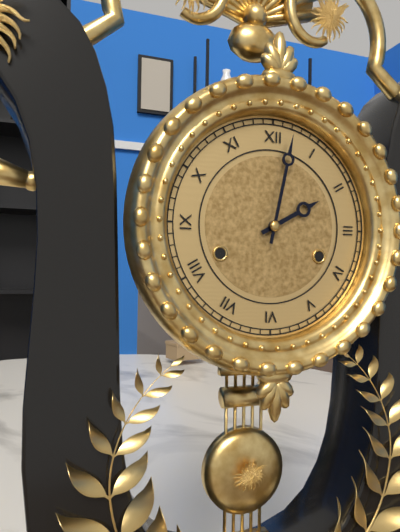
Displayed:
2,02
